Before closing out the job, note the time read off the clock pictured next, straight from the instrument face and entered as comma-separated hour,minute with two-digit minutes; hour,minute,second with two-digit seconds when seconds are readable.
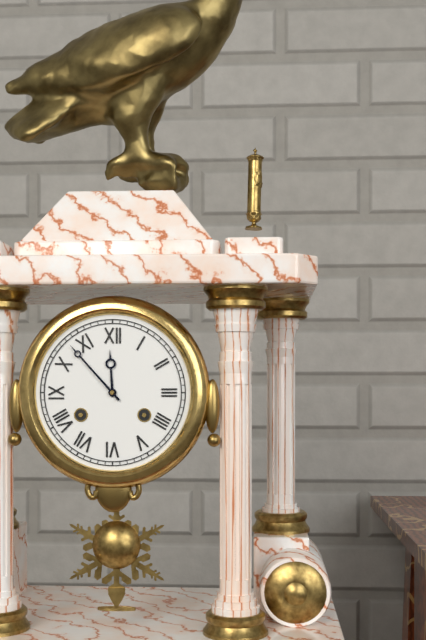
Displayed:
11,53
